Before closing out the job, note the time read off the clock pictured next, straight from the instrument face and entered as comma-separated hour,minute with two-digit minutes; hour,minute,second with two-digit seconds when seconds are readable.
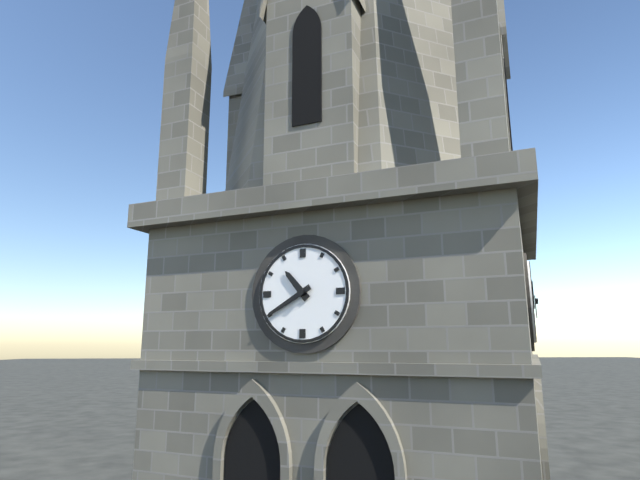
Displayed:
10,40
